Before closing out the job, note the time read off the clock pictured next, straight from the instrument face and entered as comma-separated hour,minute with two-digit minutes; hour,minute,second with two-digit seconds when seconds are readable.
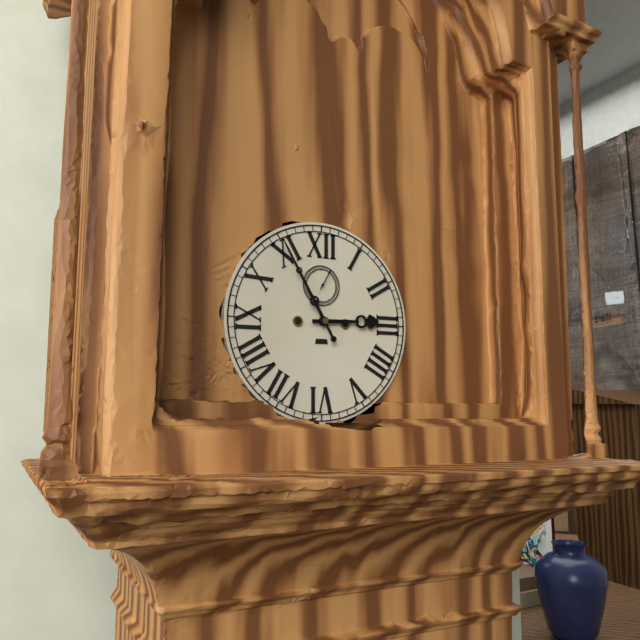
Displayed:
2,55
